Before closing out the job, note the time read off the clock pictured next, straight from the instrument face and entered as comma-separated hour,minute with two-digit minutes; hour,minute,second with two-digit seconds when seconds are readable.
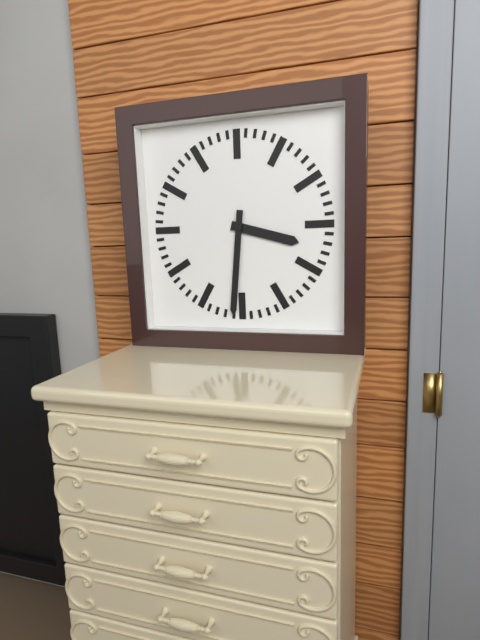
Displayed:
3,31
